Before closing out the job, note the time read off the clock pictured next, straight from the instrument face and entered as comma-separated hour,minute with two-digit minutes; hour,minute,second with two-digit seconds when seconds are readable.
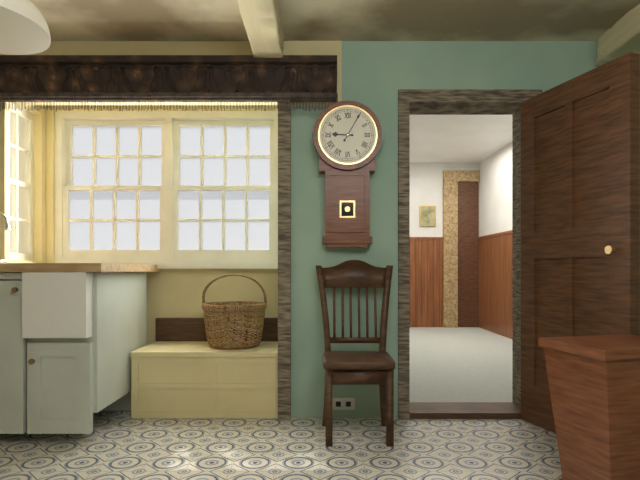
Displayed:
9,05
